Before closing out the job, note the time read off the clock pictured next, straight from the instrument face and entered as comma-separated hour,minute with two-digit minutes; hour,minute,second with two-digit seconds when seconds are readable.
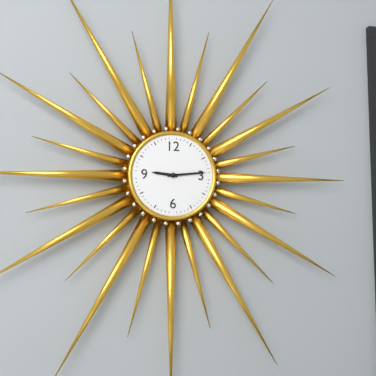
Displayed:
9,14
